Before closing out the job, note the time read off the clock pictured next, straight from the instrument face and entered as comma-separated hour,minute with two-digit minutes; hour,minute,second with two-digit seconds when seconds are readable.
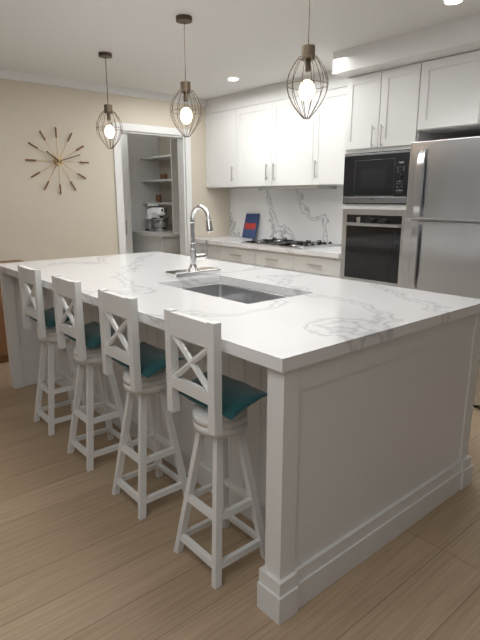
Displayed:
10,12
